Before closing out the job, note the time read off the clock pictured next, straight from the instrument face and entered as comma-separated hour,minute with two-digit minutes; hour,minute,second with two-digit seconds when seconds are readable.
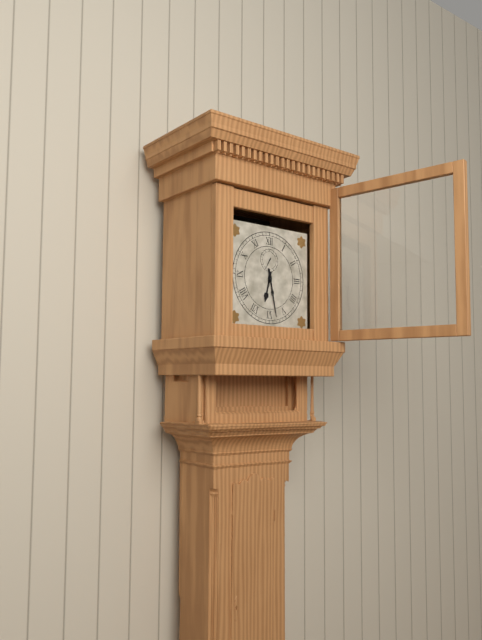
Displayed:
6,28
